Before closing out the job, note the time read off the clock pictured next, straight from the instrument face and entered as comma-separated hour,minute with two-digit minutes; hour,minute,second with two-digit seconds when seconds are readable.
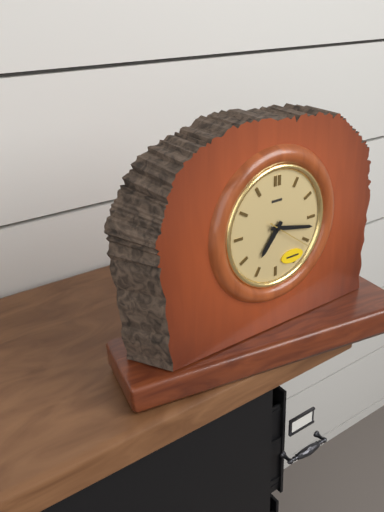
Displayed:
7,17,21
